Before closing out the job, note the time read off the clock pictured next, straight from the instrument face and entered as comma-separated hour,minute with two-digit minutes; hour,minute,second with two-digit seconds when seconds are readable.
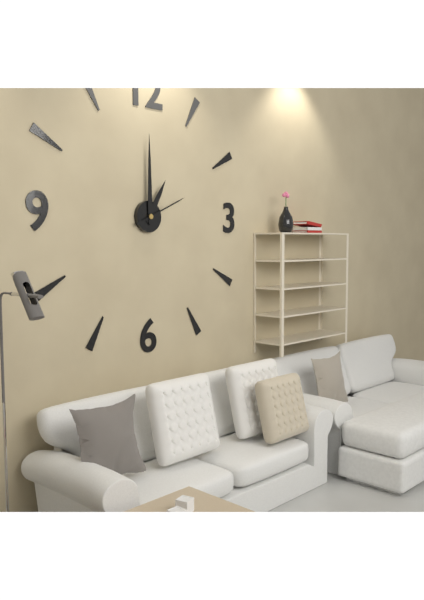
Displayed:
1,00,11
